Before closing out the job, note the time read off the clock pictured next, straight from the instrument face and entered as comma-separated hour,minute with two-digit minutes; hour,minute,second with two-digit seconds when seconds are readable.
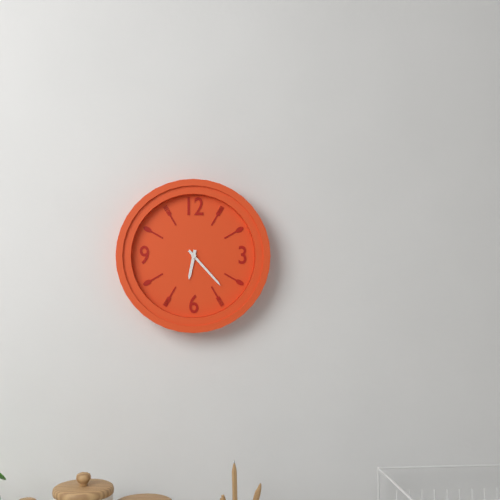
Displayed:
6,23
